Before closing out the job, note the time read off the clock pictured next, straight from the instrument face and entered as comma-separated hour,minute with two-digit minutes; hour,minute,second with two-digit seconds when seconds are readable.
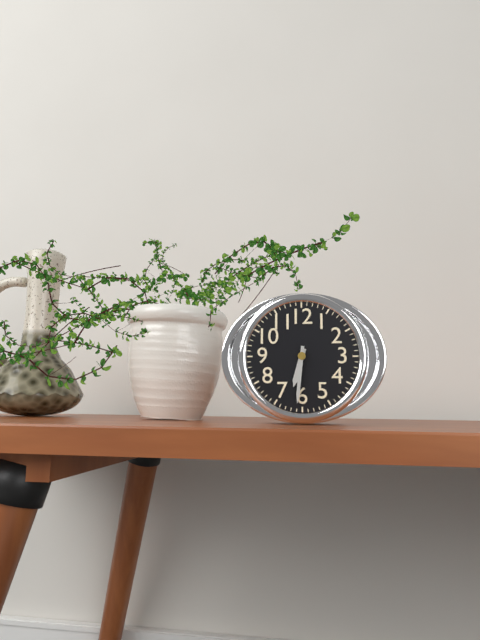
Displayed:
6,31
